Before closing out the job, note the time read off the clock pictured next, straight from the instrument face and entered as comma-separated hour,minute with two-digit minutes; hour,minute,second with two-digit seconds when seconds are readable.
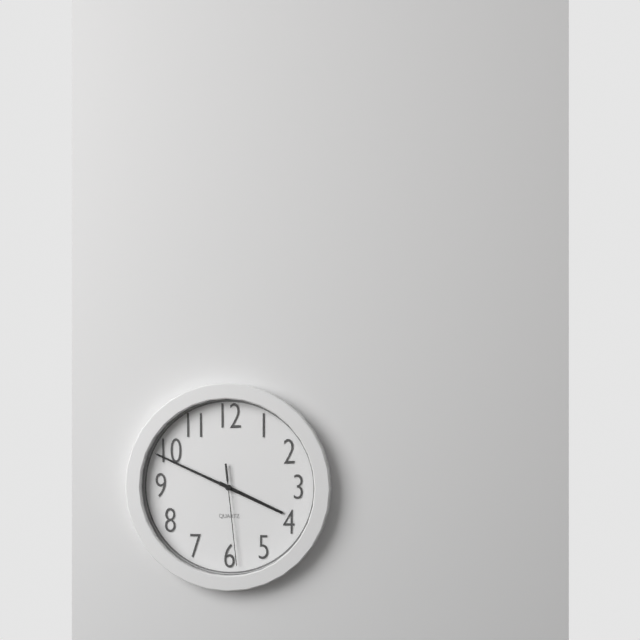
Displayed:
3,49,29
